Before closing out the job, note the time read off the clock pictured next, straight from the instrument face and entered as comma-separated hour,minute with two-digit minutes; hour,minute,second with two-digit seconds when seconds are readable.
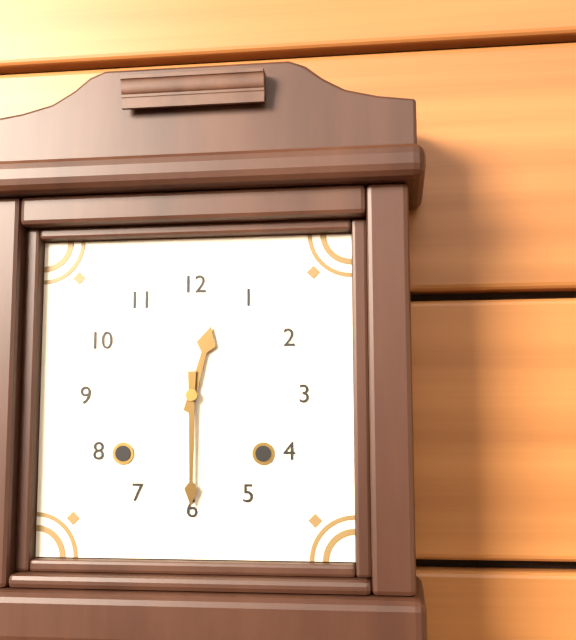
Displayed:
12,30
